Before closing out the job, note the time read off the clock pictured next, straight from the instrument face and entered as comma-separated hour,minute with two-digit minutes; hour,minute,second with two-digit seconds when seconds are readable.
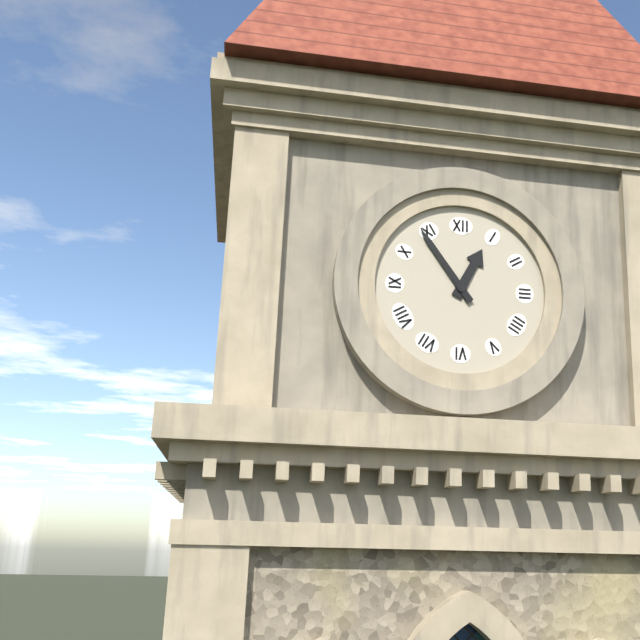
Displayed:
12,54
